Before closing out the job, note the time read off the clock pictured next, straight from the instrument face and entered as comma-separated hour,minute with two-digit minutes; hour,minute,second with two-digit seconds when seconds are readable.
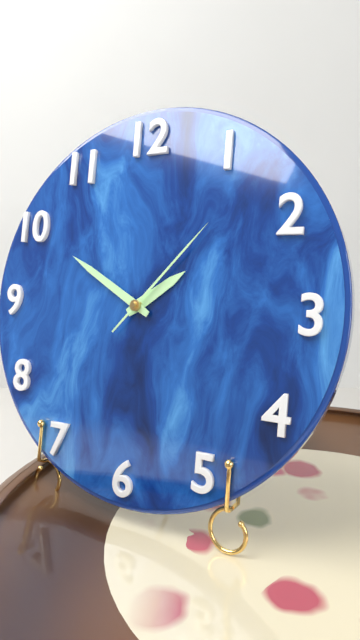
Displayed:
1,50,07
